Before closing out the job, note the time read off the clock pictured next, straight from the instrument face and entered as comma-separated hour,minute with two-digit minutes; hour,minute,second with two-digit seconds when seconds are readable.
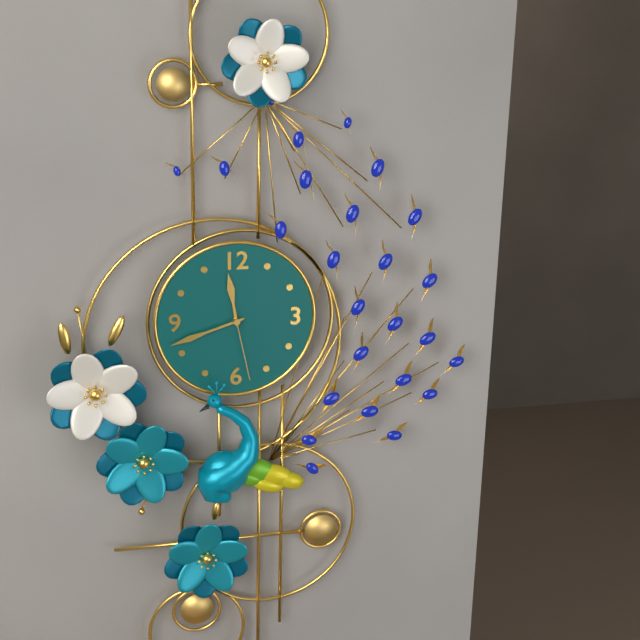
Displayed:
11,42,28
